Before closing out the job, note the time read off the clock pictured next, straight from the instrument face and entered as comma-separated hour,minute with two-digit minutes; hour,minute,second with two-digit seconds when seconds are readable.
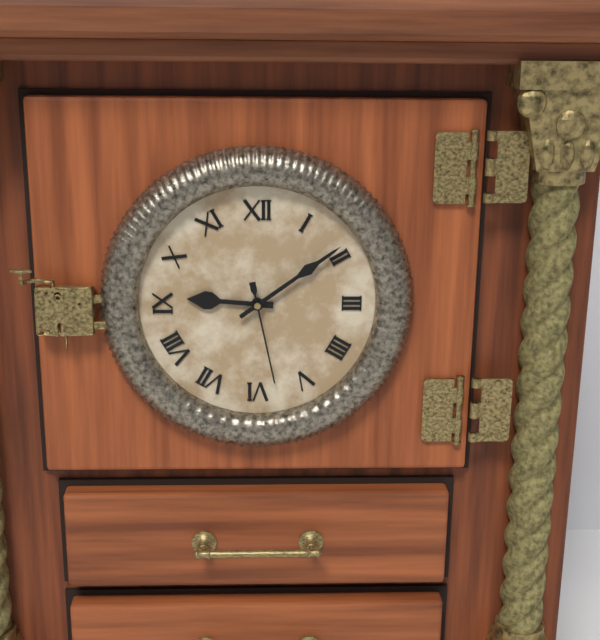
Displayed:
9,09,28
